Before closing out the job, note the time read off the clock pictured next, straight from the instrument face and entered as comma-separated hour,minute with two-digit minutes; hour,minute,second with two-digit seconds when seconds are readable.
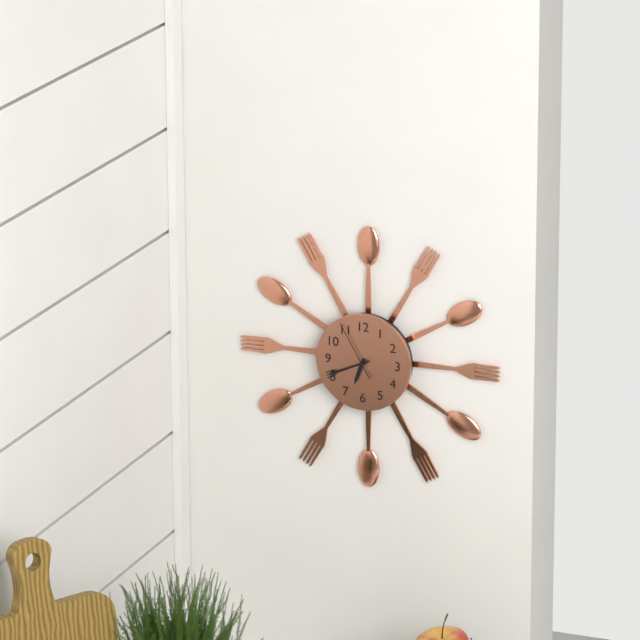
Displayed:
6,41,55
